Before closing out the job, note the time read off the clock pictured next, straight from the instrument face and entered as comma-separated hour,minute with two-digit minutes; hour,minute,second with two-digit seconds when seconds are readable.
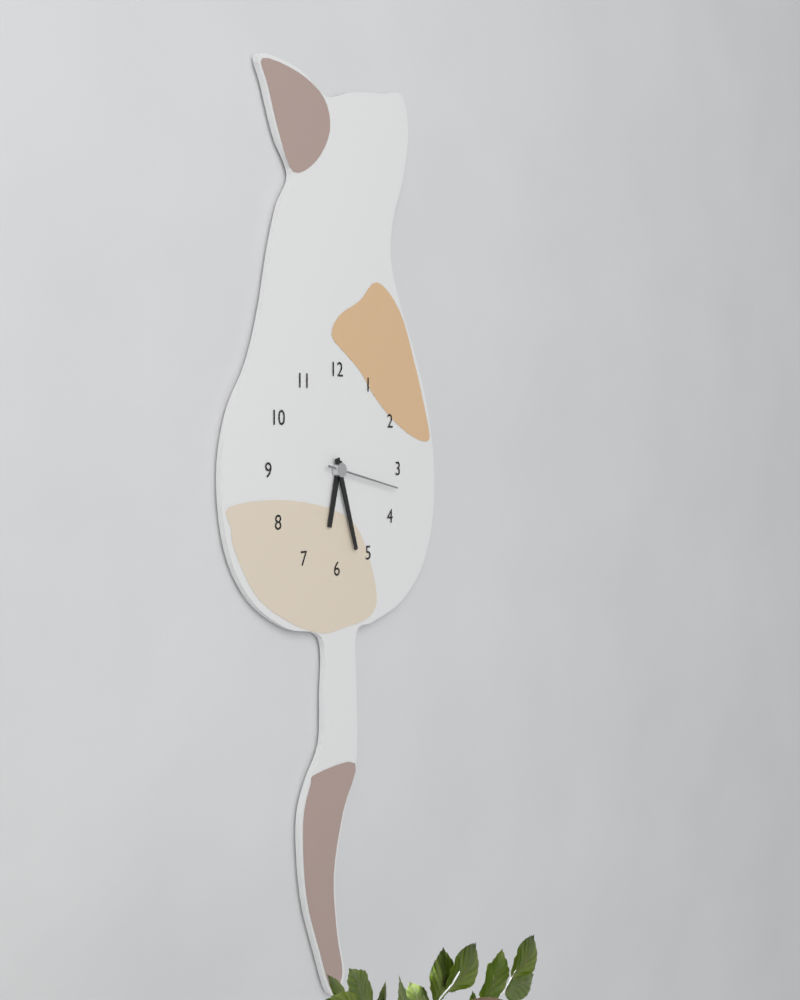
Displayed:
6,27,17
